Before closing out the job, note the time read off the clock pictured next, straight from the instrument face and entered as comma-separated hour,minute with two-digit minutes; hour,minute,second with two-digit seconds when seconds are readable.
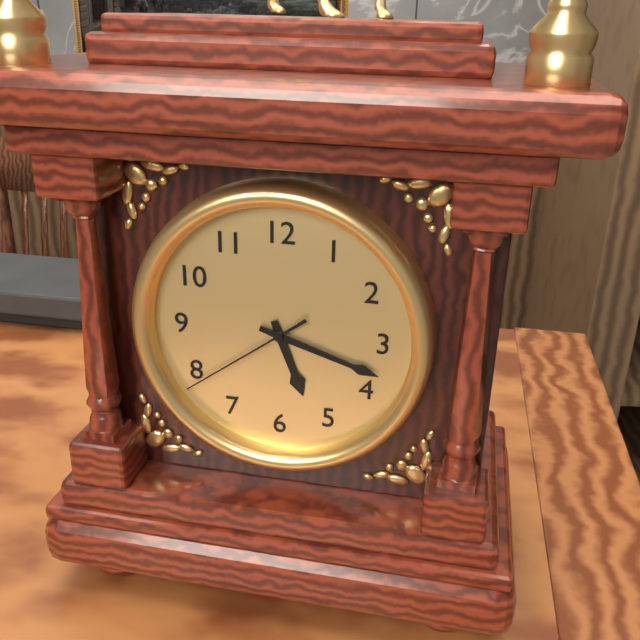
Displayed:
5,18,39
